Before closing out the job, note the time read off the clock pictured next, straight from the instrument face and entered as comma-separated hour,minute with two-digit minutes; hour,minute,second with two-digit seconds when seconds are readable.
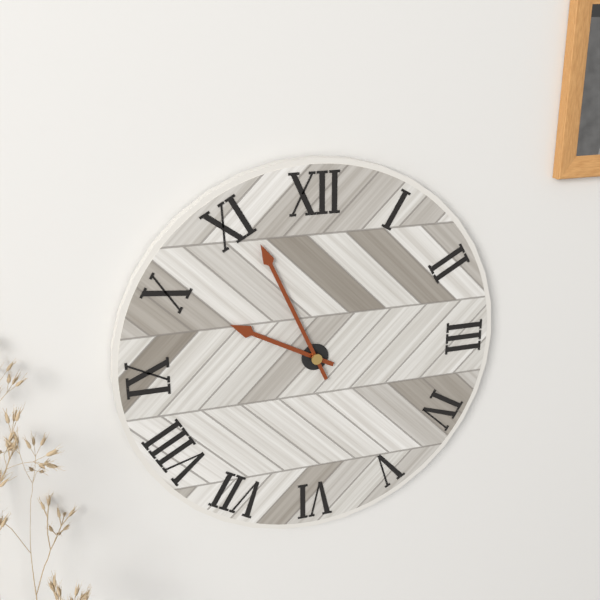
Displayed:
9,56
